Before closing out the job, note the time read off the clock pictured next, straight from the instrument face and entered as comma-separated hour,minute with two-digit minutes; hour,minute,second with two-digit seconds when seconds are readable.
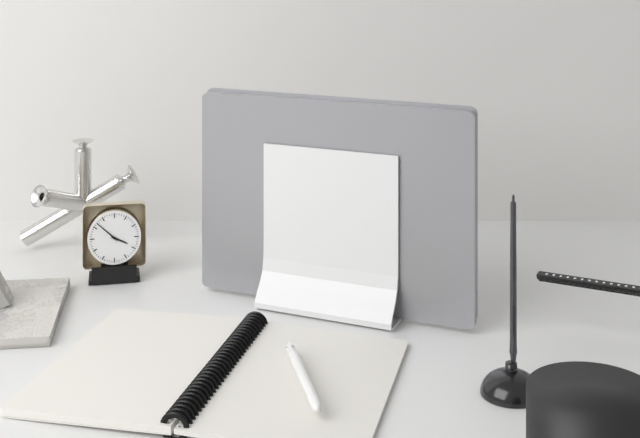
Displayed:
3,52
